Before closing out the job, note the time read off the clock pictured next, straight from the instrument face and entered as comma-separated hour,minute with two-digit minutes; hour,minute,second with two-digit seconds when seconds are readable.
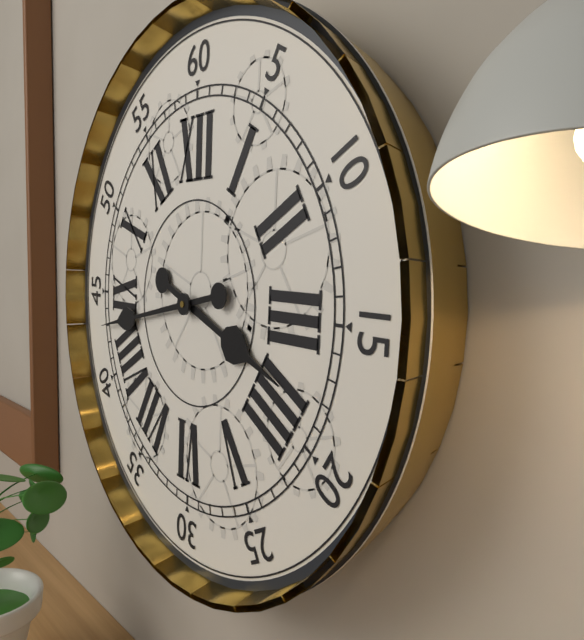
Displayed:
3,43
